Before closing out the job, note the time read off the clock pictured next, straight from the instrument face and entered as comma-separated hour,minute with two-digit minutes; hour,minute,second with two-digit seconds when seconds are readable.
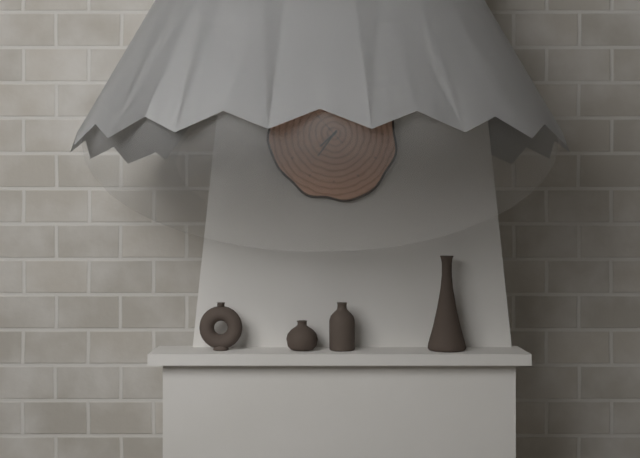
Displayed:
7,36
